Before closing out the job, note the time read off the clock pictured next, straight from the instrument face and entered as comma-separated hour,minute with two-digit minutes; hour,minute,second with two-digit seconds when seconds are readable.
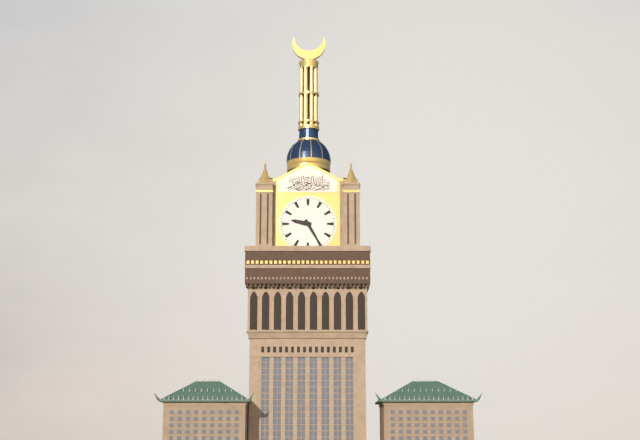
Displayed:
9,25
